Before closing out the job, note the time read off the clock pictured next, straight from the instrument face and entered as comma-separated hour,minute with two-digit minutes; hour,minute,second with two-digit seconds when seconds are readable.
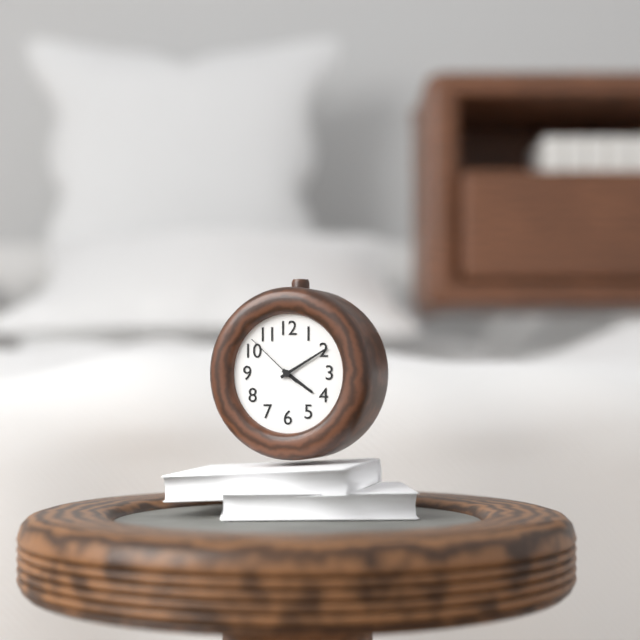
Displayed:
4,10,52
